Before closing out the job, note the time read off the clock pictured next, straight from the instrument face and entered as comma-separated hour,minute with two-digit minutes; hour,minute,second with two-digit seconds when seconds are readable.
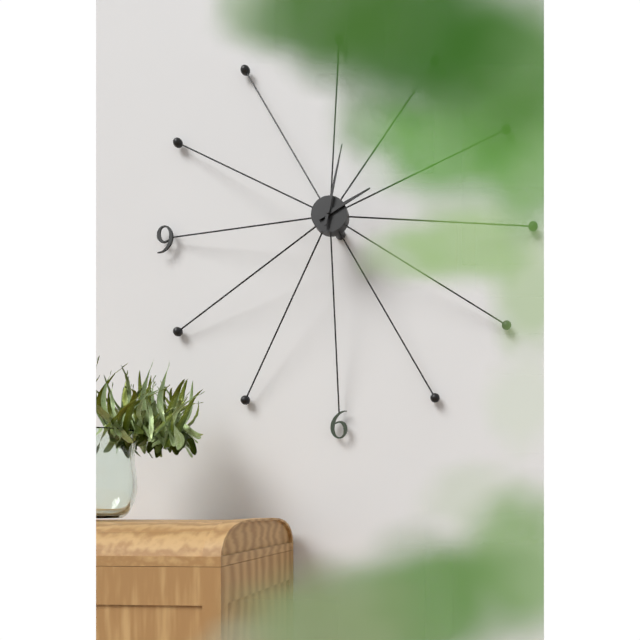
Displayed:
2,02
